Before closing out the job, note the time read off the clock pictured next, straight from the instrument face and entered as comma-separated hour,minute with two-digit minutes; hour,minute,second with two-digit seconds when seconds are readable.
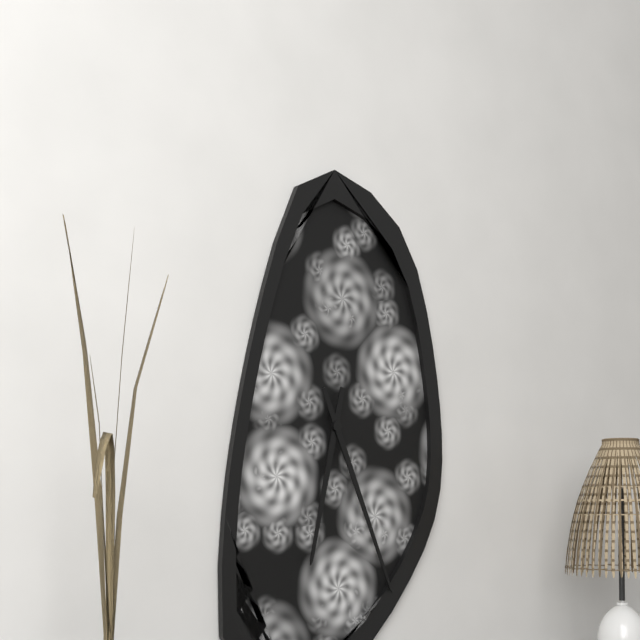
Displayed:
6,26
